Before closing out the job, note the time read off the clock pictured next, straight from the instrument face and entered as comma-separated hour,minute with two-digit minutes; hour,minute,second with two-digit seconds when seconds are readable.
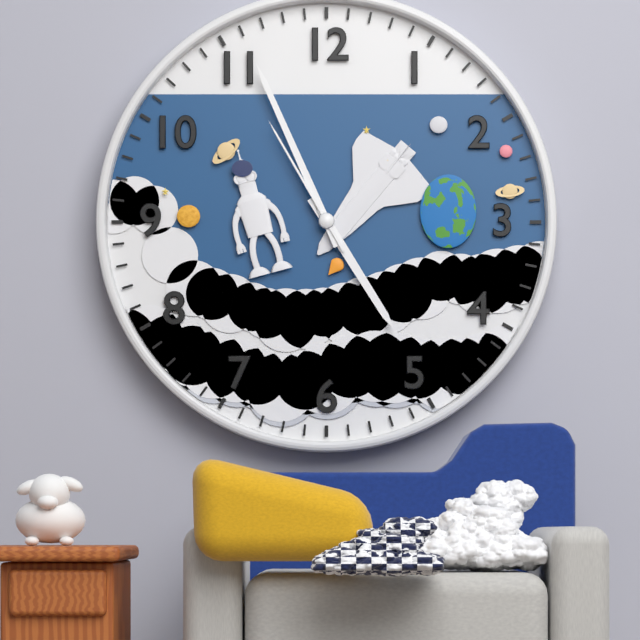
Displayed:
4,56,55
